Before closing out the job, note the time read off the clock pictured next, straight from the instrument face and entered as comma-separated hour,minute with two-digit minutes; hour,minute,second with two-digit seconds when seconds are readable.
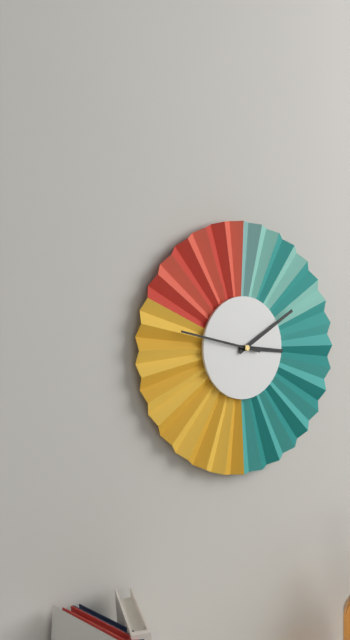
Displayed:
3,10,47
